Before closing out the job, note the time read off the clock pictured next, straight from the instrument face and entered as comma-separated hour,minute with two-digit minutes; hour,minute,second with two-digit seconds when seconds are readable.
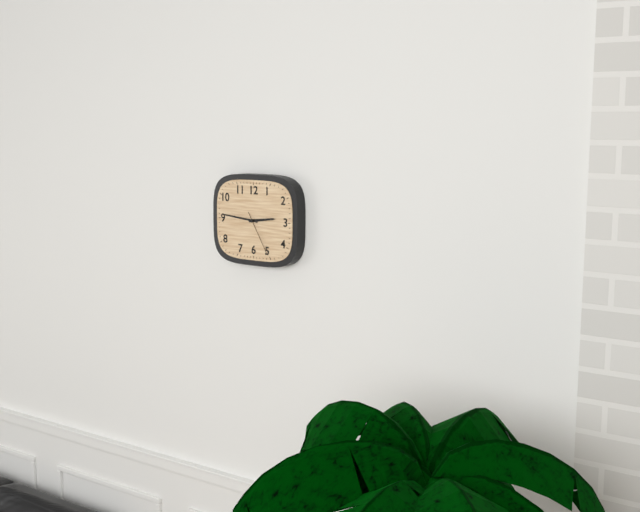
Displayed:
2,46
